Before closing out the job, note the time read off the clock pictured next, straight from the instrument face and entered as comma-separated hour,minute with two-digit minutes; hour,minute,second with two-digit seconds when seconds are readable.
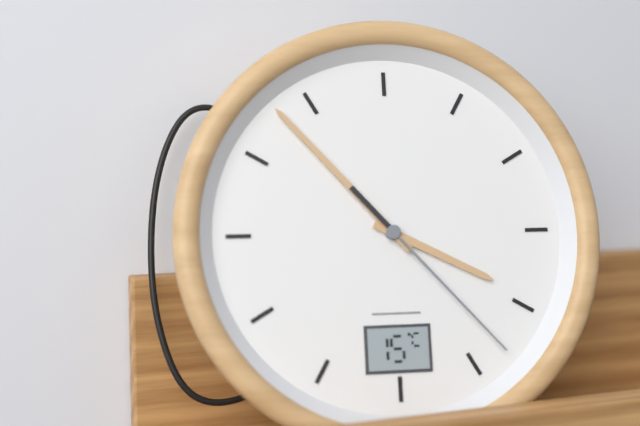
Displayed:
3,53,23
